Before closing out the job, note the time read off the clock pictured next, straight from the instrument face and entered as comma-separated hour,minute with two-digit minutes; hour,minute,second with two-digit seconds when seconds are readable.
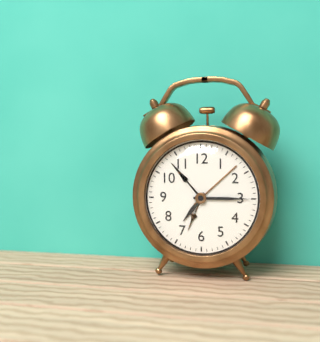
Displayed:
7,15
